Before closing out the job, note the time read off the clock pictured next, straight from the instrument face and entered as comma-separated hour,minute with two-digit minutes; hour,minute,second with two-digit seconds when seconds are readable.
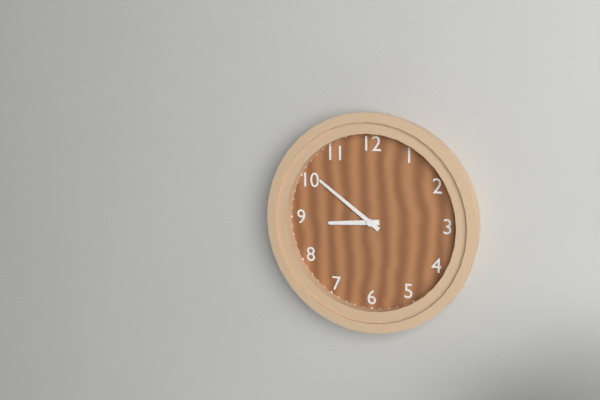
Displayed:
8,51
